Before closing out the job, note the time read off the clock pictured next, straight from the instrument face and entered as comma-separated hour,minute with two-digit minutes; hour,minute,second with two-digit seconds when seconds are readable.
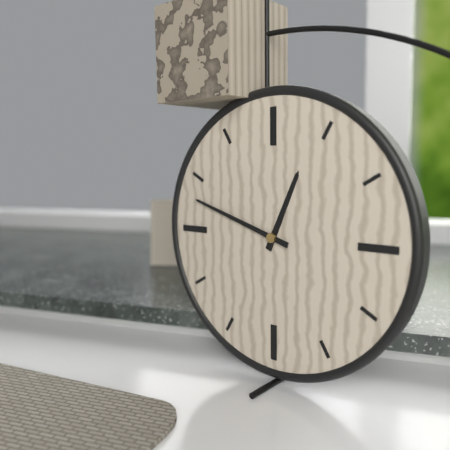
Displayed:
12,48
